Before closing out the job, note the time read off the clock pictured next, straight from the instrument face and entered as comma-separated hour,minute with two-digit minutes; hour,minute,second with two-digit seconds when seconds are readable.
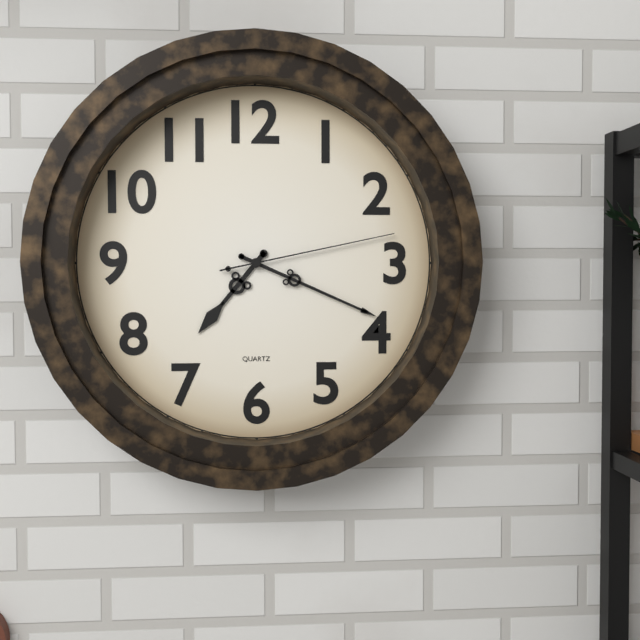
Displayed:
7,19,13
